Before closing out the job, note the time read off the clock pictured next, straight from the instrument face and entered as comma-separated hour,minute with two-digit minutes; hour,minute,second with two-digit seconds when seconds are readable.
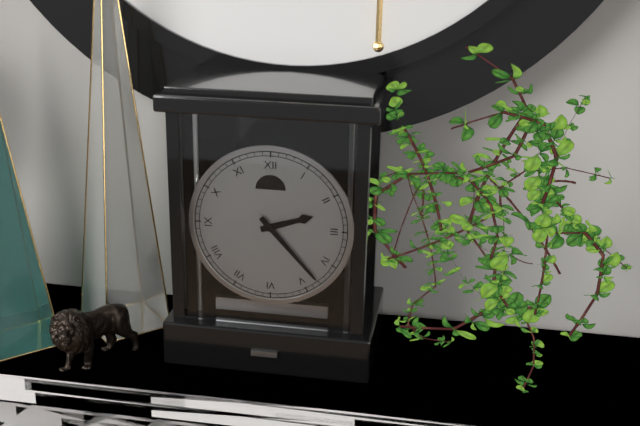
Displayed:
2,23
